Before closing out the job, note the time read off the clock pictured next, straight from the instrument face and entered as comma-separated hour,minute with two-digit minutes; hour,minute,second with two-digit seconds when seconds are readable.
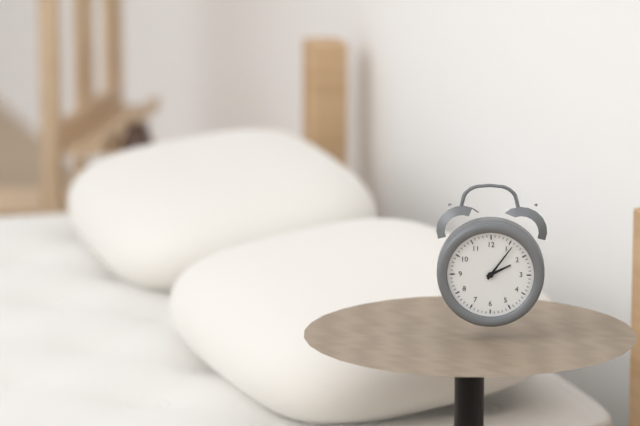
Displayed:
2,06
